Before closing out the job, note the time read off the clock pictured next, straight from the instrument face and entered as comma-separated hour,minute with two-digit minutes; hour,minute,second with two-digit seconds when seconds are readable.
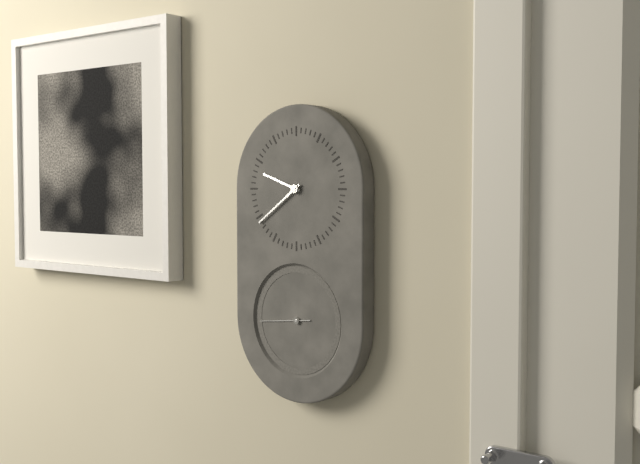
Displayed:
9,39
